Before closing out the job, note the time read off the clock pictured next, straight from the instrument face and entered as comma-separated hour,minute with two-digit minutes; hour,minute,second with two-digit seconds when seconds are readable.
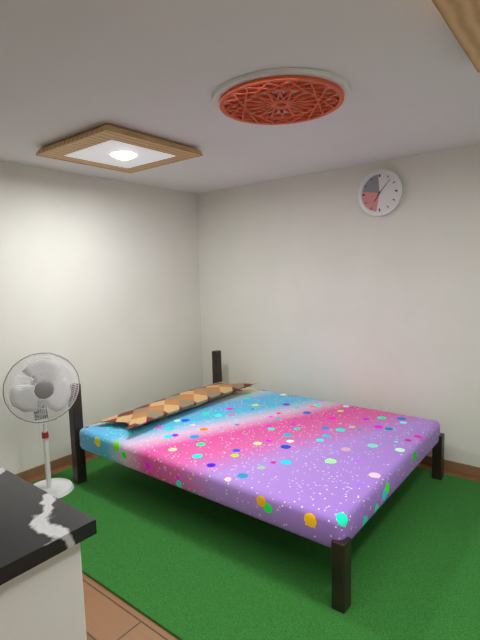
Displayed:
7,07
